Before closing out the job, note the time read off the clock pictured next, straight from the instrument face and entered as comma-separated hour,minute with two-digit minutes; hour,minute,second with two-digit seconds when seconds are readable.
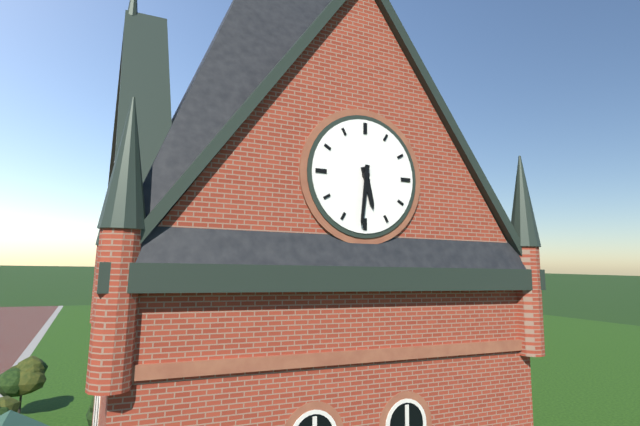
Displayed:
5,31
